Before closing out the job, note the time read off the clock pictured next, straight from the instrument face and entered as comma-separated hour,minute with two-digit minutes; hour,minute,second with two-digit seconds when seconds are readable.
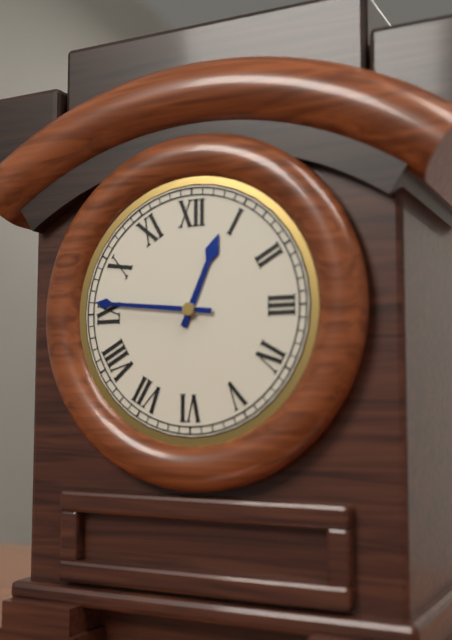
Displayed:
12,46
